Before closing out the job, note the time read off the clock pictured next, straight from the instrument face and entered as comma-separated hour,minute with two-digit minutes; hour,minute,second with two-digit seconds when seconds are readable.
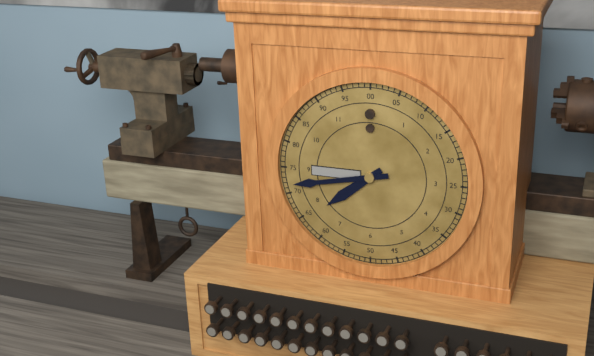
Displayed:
7,43
